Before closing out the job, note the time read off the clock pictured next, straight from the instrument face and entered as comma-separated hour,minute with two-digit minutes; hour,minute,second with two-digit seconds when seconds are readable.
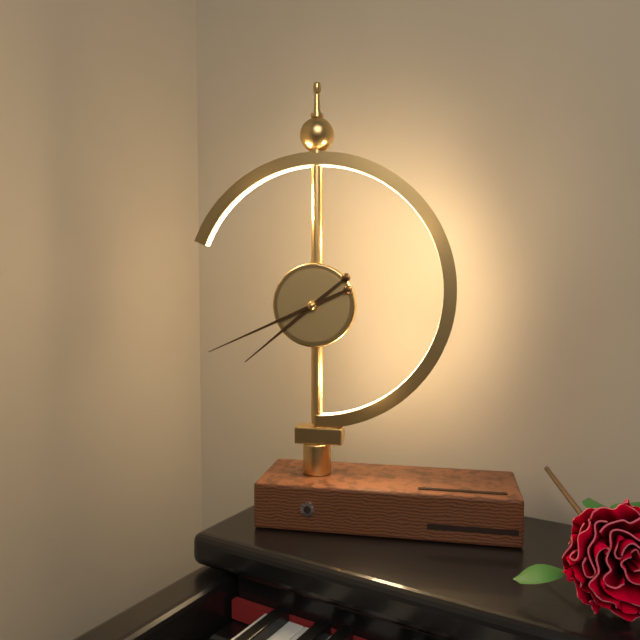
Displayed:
7,41
